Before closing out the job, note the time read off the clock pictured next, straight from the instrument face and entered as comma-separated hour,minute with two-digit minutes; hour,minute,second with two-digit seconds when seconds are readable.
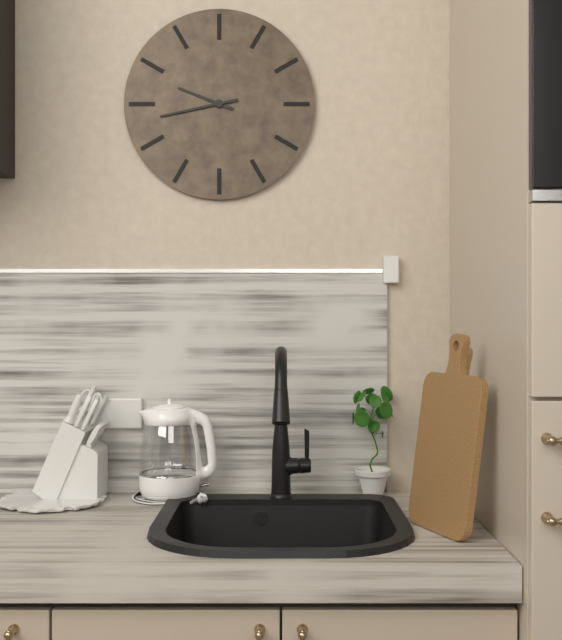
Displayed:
9,43
